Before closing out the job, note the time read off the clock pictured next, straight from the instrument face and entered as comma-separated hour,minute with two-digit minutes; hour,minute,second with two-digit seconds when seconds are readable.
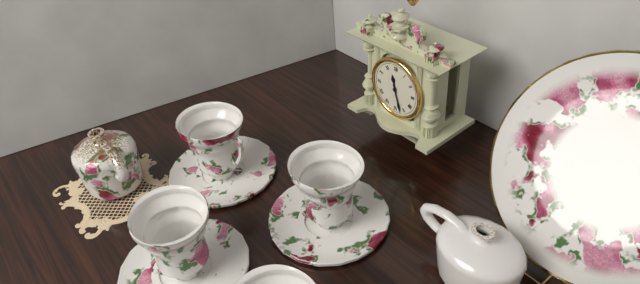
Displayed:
11,27
